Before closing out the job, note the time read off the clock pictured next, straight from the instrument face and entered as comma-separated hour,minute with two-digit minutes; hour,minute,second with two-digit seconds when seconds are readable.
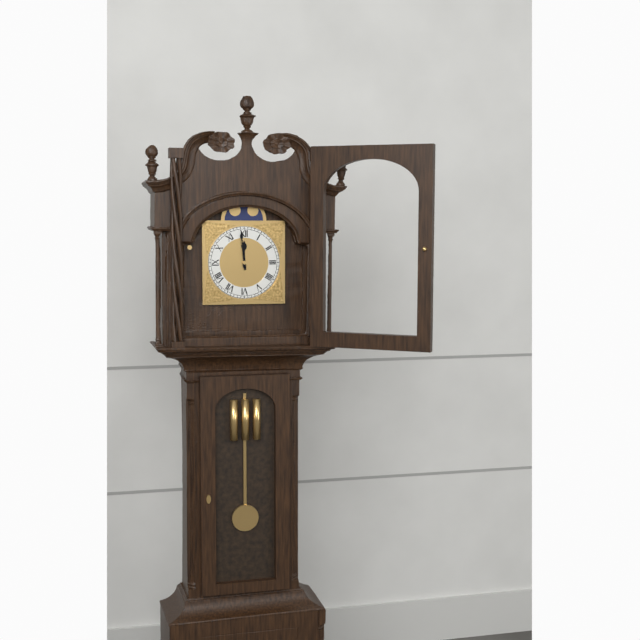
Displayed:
11,59
